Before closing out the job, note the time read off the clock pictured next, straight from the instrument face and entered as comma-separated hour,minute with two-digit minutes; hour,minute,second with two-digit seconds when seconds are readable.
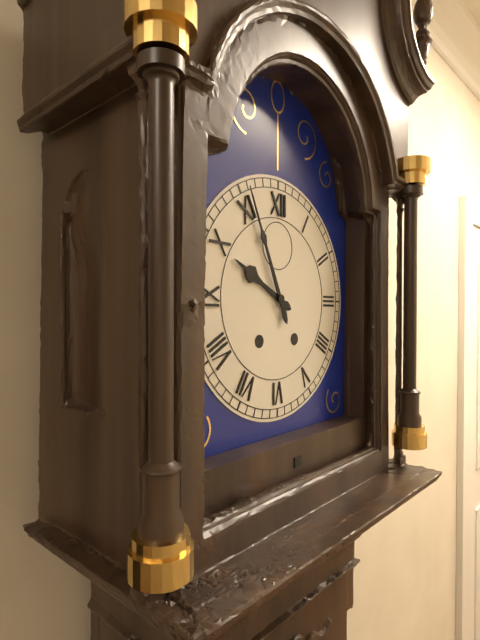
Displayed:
9,56
